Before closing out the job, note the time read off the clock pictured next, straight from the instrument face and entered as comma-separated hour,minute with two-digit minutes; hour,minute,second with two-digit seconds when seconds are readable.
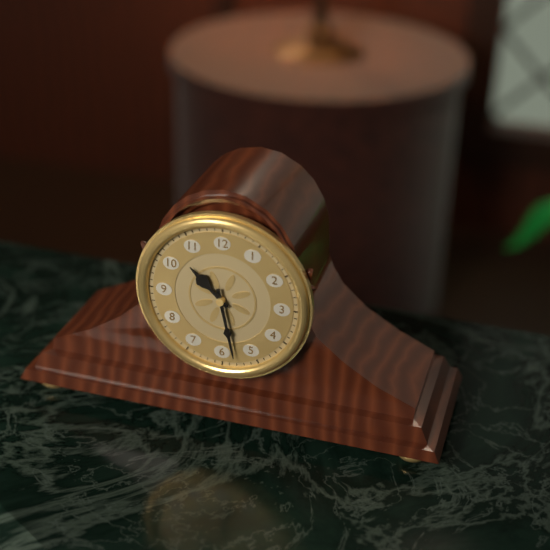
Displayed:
10,28
